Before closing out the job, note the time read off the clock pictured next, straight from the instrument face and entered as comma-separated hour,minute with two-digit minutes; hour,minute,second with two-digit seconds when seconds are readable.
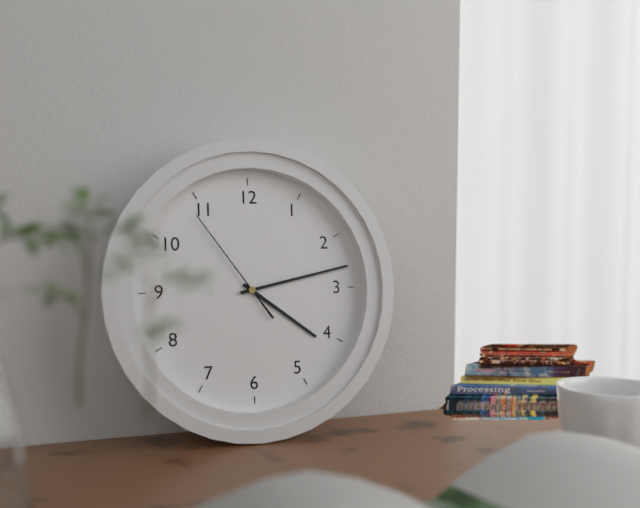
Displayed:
4,13,54
